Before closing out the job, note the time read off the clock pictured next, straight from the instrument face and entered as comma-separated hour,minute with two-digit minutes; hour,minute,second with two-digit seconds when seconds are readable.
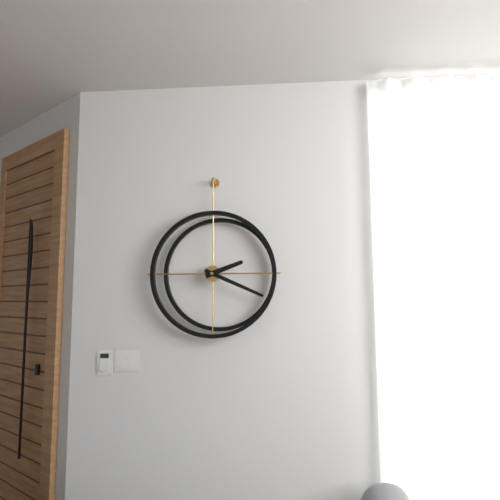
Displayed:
2,19
